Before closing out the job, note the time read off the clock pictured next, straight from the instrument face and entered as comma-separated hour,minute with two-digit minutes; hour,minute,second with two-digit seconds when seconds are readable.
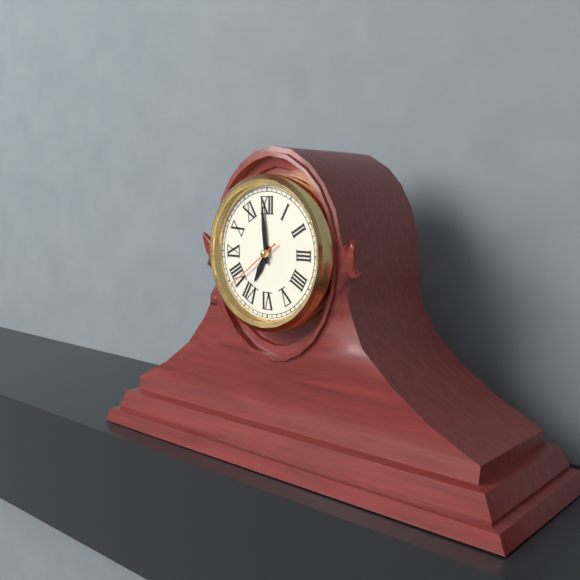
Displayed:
6,59,39
